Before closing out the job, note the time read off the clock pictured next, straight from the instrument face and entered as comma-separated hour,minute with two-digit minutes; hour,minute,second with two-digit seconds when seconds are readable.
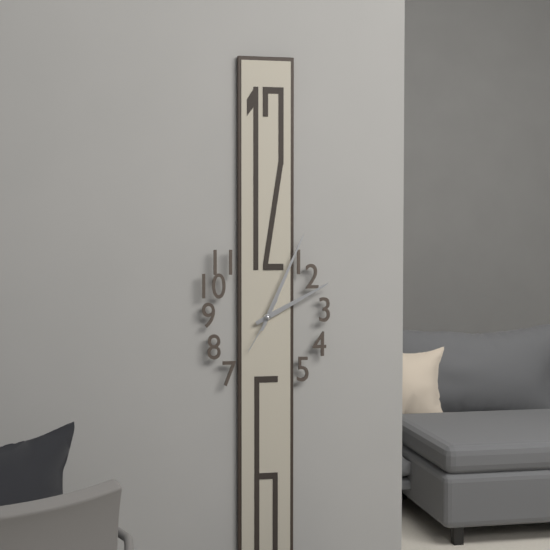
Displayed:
2,04,35
